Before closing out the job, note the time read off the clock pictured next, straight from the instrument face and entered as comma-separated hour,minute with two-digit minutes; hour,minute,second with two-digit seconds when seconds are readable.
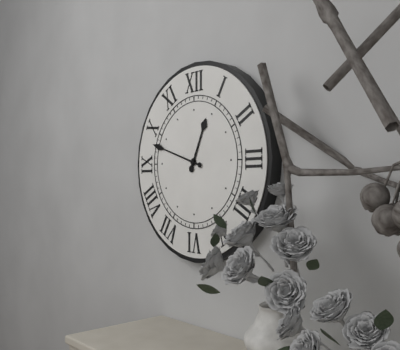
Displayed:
12,48
